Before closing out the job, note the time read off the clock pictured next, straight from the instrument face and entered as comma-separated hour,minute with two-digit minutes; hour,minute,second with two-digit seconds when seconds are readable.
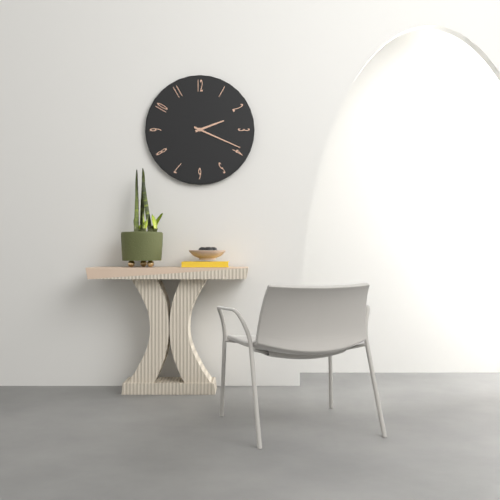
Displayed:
2,19
